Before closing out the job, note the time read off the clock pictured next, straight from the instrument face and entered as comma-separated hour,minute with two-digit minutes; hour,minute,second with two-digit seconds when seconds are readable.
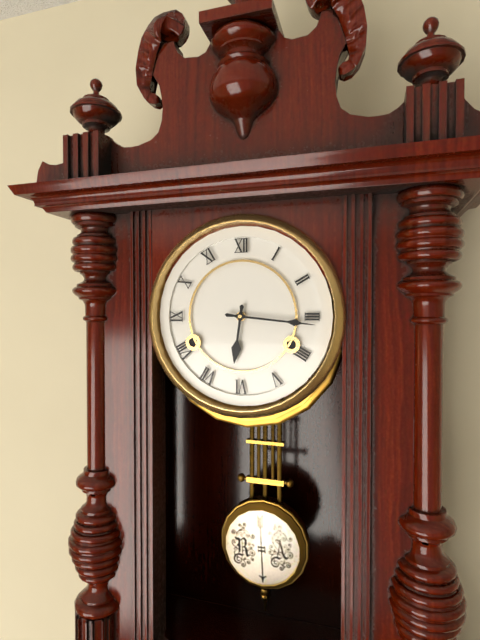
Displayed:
6,16
